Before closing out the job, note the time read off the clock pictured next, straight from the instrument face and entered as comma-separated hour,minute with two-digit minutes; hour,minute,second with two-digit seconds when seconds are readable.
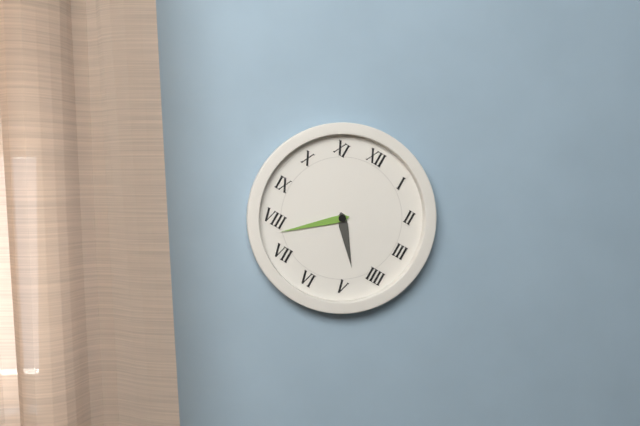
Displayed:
4,38
